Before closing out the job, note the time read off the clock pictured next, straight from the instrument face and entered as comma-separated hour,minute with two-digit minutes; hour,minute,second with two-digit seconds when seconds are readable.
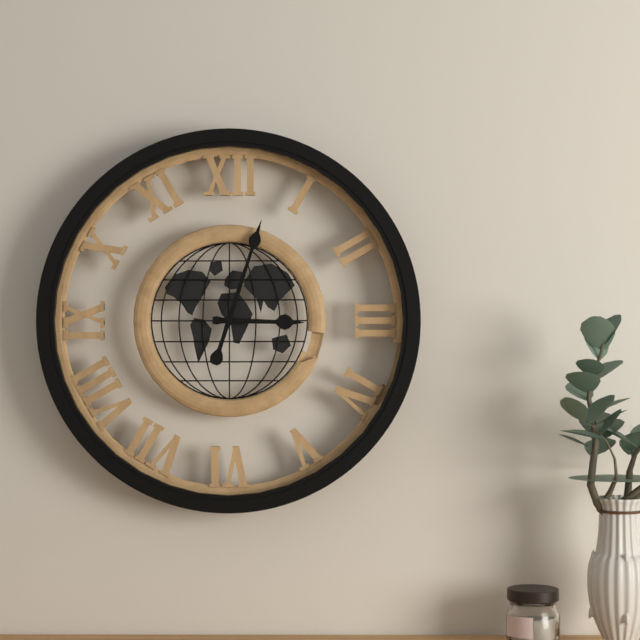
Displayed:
3,03
